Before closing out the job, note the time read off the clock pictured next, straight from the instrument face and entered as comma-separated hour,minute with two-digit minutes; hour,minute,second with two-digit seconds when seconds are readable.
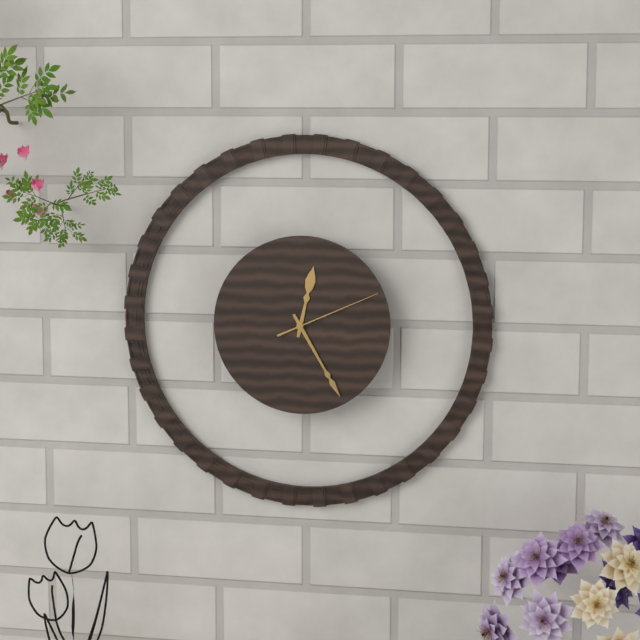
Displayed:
12,25,11
